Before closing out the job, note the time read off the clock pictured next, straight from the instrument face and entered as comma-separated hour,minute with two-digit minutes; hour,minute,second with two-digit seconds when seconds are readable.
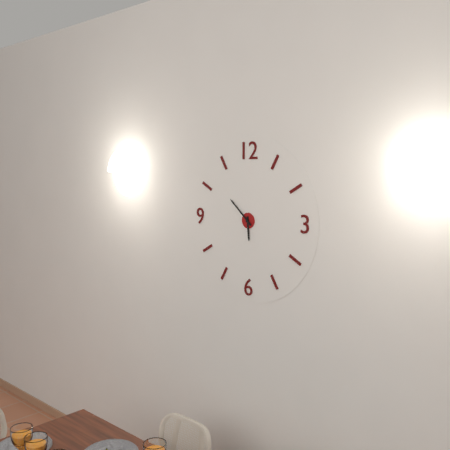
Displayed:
5,52
